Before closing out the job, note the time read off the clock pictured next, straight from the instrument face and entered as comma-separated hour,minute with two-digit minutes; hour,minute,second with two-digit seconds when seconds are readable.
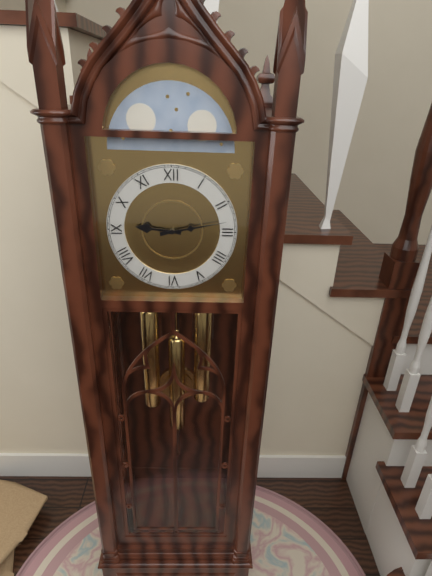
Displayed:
9,13
